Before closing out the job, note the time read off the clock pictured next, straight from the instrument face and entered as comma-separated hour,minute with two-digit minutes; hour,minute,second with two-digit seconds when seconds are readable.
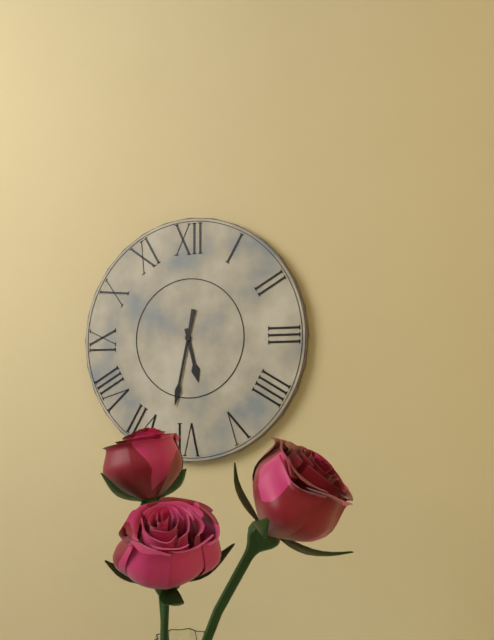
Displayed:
5,32
